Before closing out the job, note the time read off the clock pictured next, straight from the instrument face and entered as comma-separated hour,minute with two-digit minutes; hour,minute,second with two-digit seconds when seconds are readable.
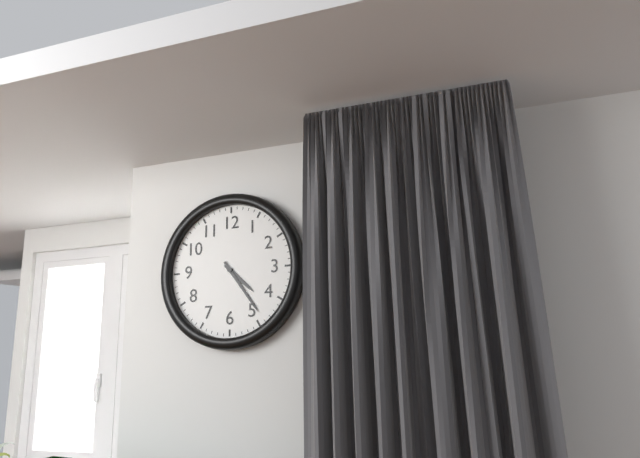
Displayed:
4,24
